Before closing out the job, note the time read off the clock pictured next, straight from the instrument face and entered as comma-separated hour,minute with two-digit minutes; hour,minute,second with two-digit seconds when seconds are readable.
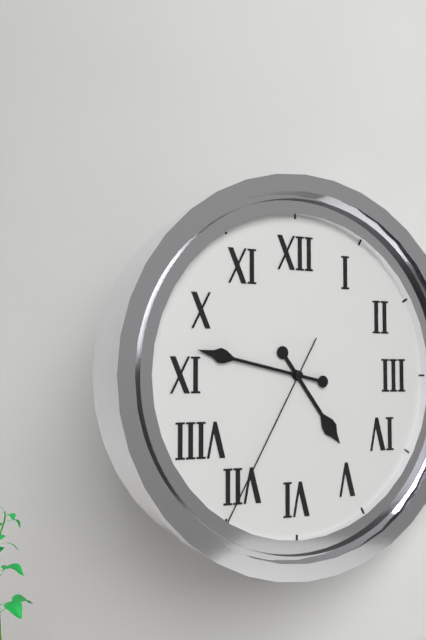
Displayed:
4,47,35
